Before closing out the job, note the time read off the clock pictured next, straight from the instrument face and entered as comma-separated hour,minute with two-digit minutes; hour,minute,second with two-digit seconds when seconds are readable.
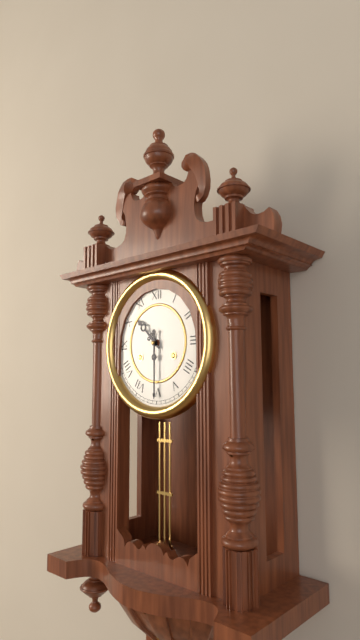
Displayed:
10,30
